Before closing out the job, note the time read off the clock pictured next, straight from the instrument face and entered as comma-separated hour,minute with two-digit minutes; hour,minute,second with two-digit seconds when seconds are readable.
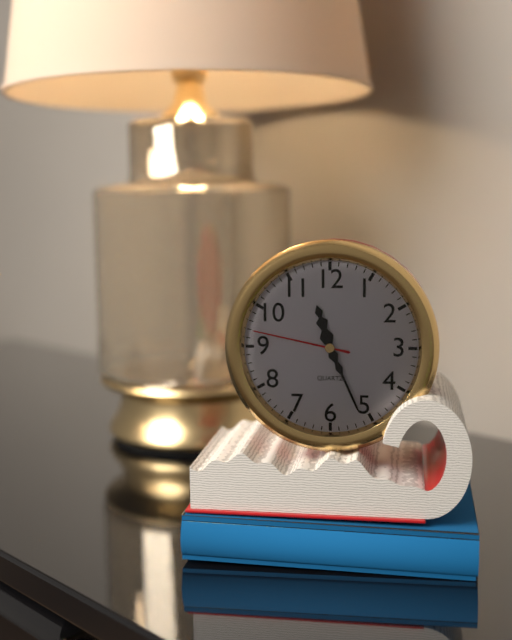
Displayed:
11,26,47
